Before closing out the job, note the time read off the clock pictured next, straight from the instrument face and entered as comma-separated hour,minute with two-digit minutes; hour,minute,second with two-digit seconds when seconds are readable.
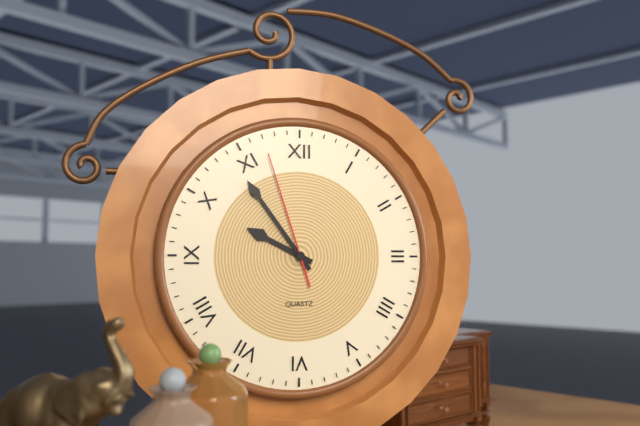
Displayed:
9,54,57
